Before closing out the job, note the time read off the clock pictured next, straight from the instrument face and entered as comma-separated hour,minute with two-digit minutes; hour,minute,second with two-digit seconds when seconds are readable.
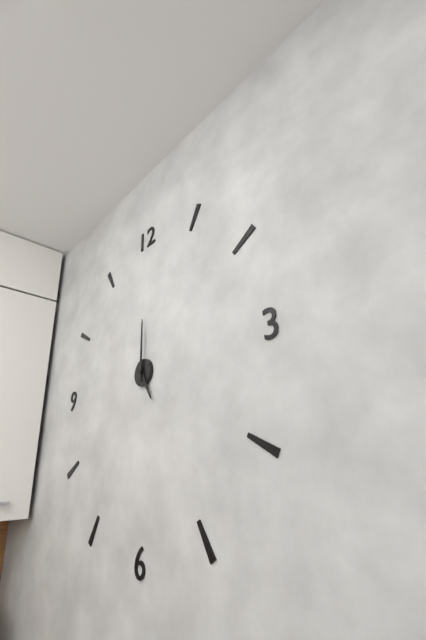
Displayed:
5,00
